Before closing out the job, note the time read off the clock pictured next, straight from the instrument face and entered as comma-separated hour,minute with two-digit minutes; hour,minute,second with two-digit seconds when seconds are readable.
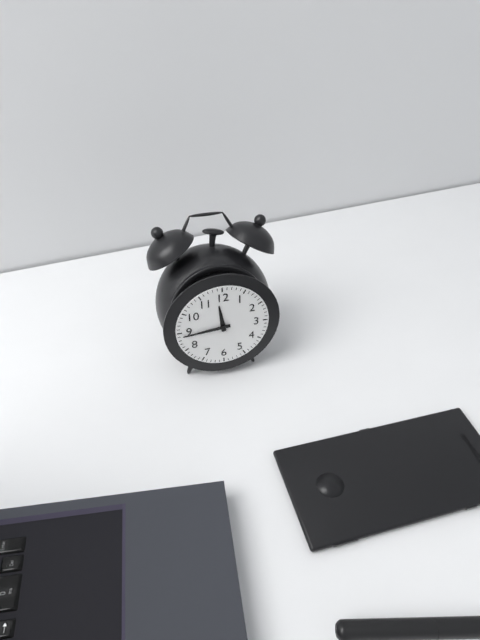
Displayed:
11,44
